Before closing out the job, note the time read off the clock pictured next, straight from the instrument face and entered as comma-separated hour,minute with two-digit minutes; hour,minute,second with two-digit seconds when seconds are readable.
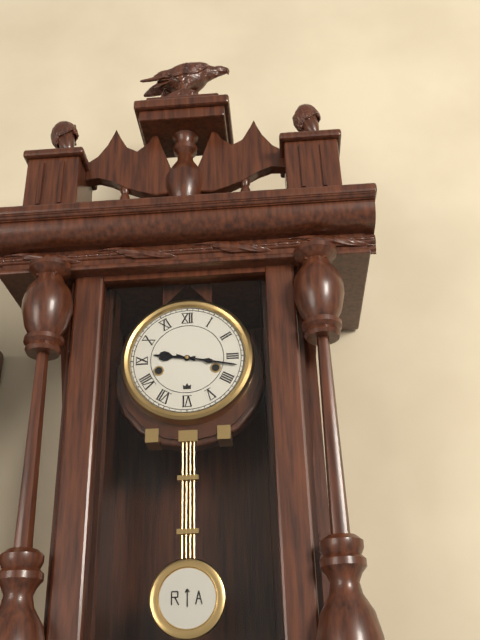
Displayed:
9,17
